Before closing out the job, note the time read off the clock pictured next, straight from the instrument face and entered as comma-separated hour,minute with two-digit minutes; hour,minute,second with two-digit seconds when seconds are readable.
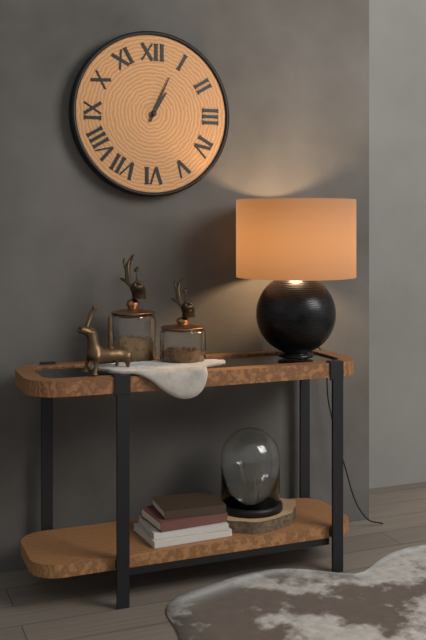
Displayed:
1,04
